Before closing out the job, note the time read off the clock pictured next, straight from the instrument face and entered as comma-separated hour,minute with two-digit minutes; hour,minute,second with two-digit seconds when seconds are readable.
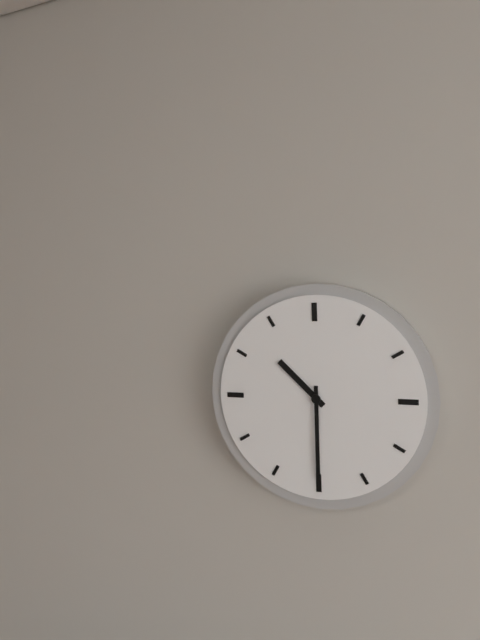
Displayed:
10,30
